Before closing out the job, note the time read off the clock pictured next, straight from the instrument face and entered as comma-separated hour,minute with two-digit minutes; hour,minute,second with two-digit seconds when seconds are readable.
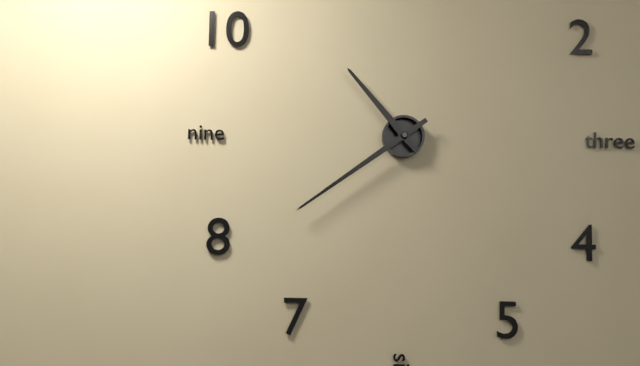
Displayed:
10,39
